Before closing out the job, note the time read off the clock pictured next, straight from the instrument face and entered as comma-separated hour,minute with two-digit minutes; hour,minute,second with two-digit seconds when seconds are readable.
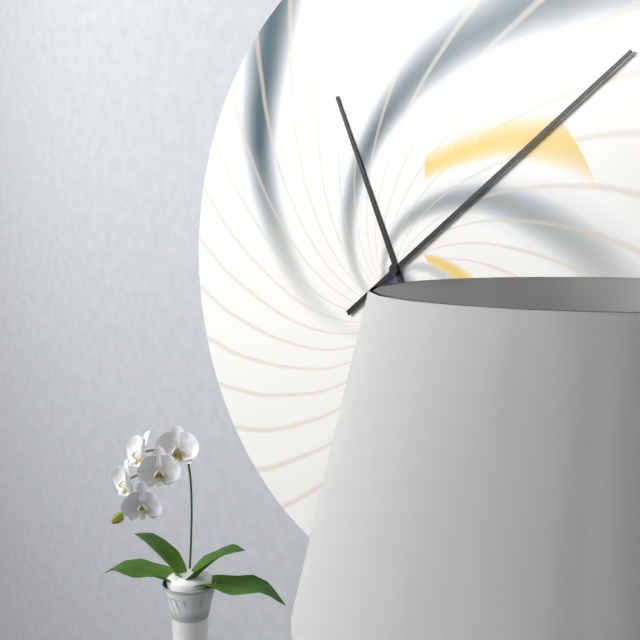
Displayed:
11,09
